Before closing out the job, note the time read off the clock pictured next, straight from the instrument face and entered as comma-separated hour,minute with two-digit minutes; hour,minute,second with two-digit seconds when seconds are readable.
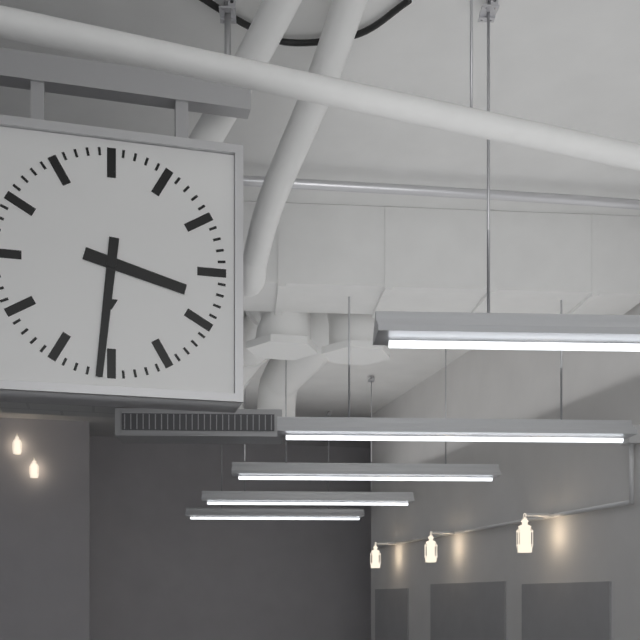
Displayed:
3,31
